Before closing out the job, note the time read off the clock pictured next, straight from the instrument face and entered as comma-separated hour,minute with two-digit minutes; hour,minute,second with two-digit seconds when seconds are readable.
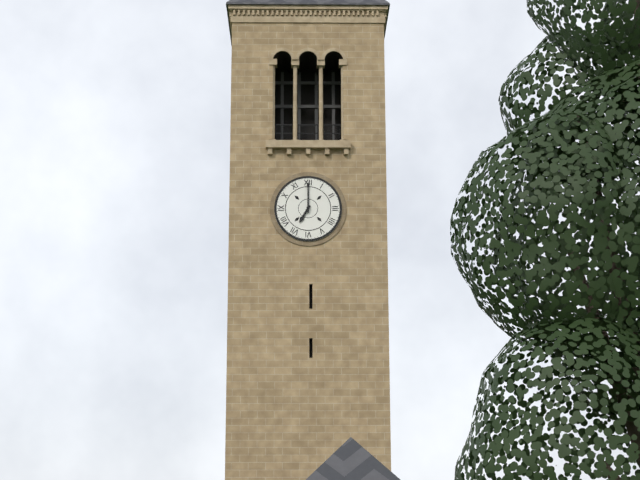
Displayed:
7,00
